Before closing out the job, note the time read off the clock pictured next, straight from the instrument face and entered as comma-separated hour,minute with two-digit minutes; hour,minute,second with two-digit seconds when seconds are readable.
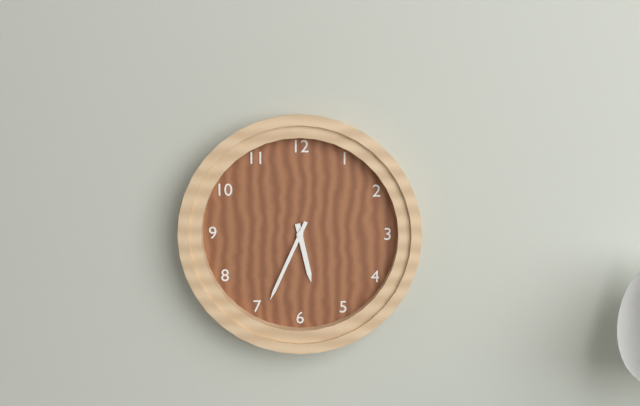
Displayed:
5,34
